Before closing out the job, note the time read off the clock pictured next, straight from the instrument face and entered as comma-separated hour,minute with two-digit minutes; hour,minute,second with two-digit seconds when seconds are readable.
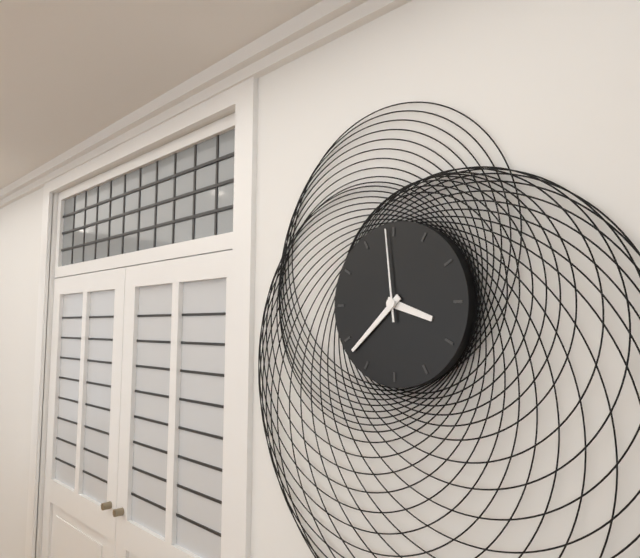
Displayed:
3,38,59
